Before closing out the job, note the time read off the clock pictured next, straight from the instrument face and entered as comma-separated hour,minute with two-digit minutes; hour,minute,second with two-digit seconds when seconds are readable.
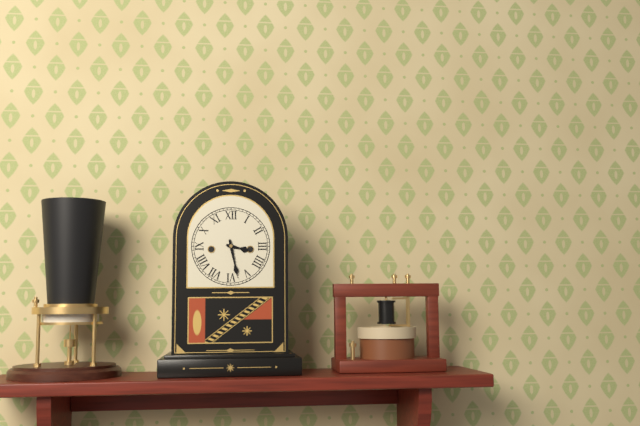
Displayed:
3,28
